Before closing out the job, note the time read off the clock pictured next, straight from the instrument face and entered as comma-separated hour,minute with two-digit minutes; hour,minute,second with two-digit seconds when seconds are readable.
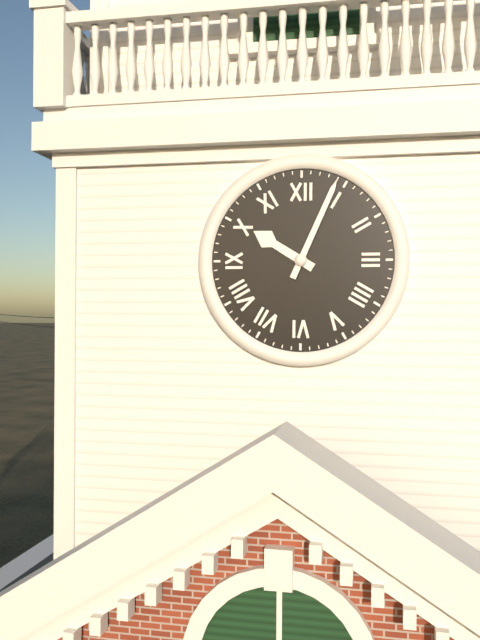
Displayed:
10,04
